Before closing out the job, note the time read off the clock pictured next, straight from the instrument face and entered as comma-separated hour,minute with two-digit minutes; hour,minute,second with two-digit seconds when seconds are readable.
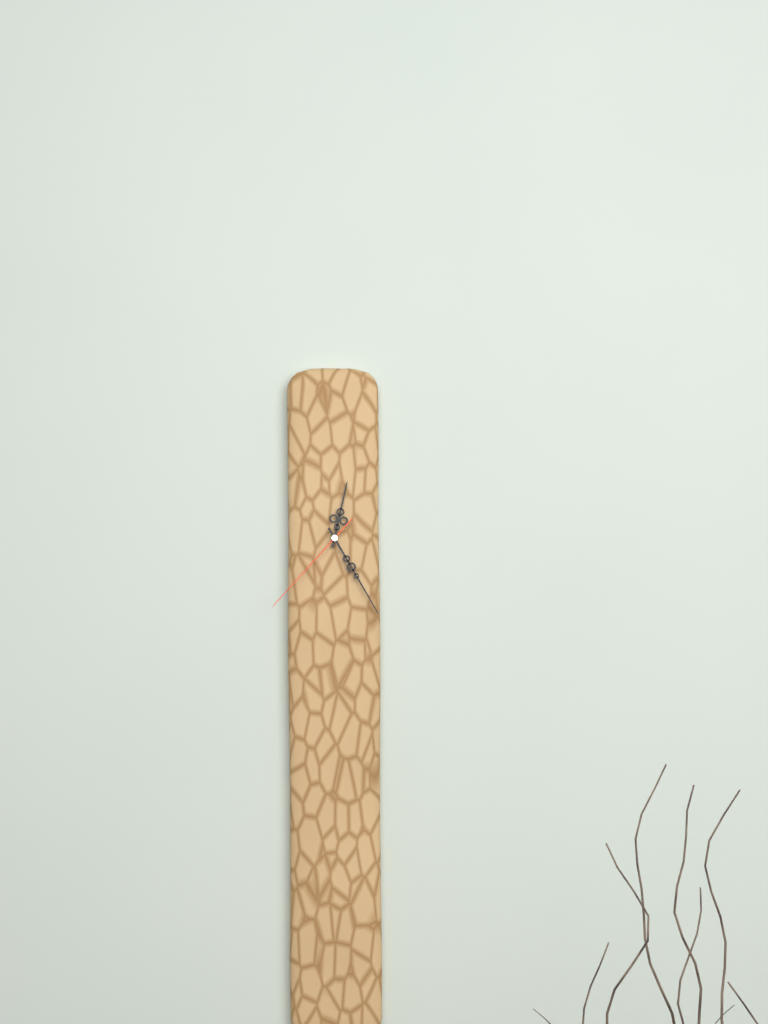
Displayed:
12,25,37
